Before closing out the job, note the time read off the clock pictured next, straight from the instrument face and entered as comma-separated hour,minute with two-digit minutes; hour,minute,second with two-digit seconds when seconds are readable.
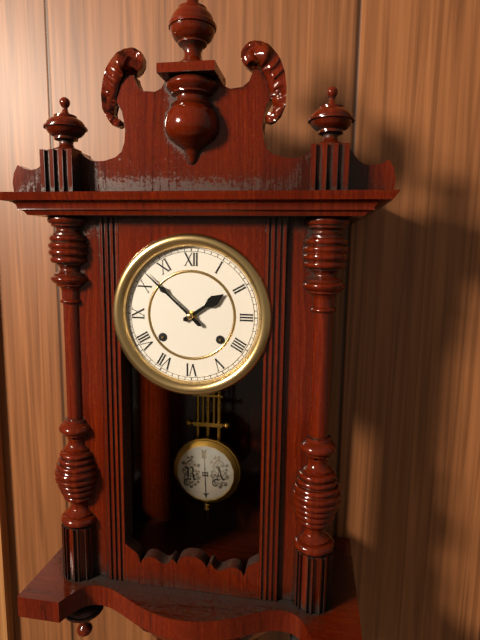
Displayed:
1,52
